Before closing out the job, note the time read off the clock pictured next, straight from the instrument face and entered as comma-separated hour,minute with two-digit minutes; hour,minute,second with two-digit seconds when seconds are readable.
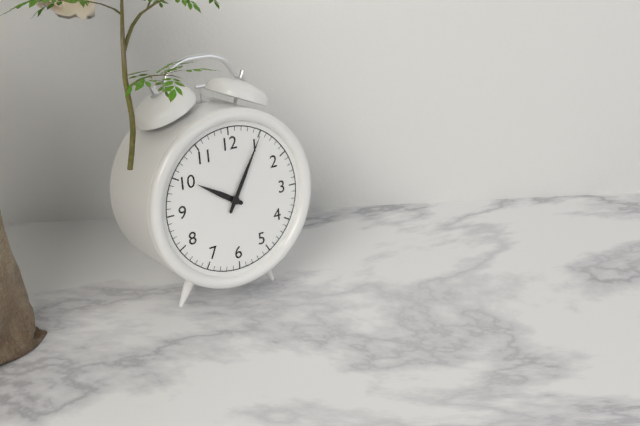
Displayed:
10,05
